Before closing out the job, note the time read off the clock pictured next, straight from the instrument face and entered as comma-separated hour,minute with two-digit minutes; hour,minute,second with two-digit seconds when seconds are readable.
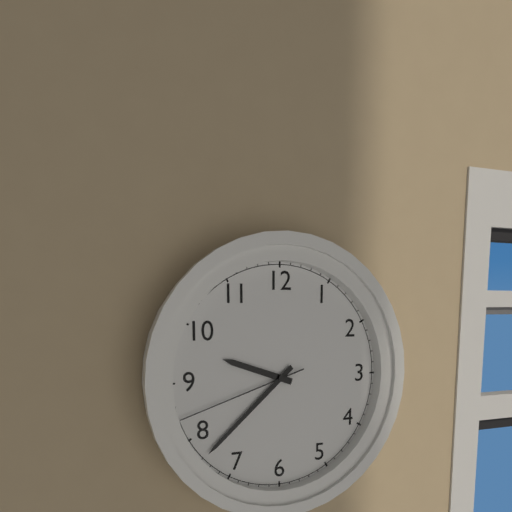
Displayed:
9,38,42
